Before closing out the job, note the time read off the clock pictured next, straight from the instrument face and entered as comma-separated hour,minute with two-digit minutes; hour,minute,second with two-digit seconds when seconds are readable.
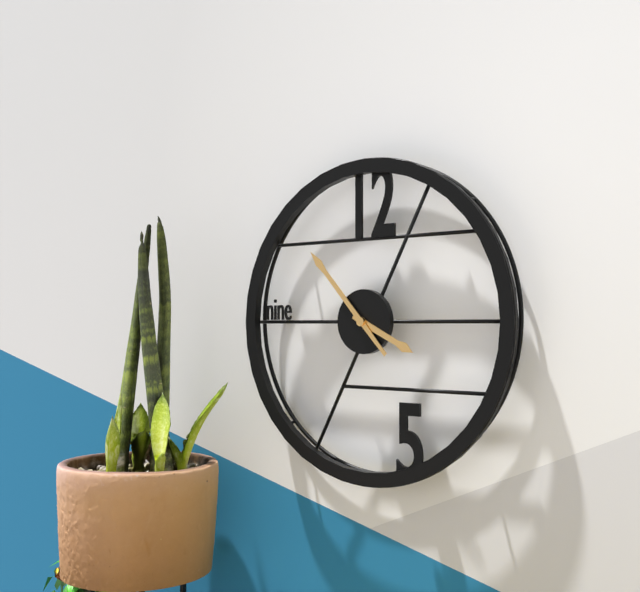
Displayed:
3,53
